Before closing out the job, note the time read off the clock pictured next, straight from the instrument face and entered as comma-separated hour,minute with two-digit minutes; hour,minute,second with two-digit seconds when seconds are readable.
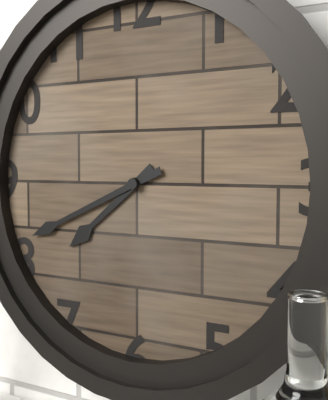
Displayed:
7,41
